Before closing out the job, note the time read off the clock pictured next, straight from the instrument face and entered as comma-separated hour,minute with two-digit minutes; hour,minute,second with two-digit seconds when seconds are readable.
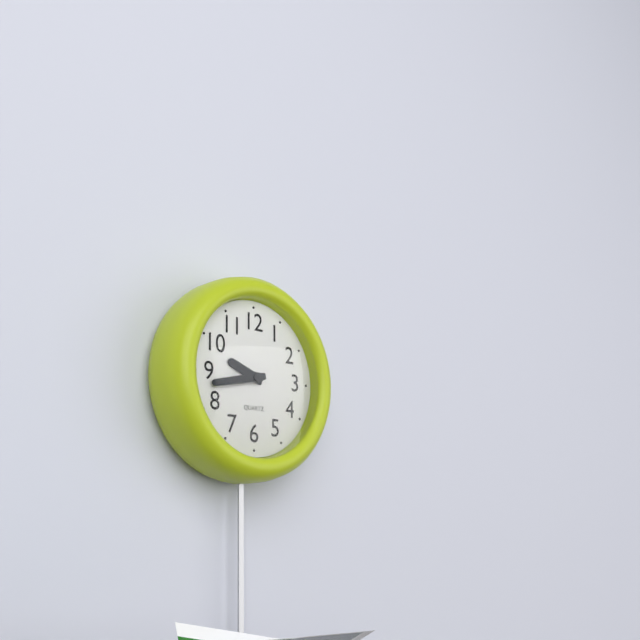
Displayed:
9,43
